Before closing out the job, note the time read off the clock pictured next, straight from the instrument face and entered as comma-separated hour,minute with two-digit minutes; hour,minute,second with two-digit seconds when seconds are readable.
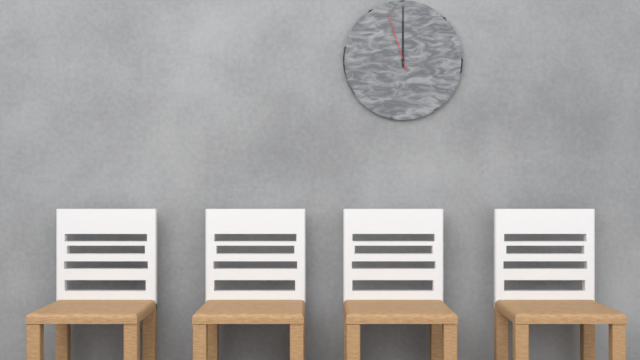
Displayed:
12,00,57
